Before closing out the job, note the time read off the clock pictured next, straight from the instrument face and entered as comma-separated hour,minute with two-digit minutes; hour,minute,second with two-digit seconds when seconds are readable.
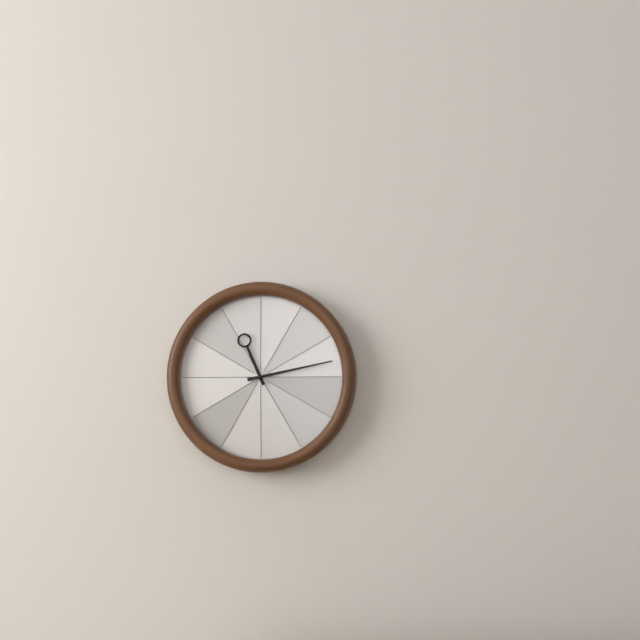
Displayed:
11,13
